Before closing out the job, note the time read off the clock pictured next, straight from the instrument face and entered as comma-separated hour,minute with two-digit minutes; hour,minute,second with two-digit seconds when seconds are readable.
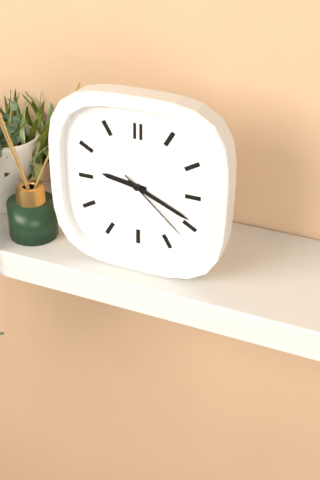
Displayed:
9,19,22
